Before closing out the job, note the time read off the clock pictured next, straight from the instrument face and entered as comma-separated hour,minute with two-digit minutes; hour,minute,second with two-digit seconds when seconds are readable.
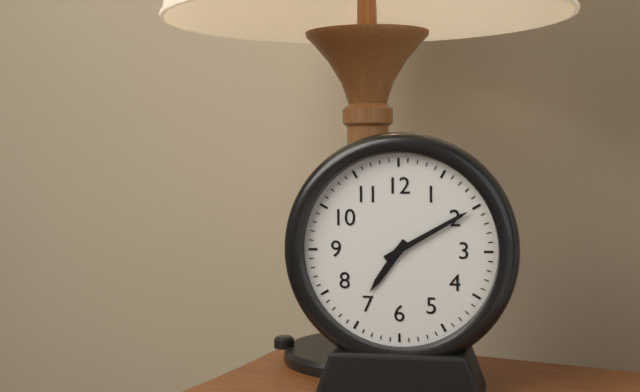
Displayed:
7,10
